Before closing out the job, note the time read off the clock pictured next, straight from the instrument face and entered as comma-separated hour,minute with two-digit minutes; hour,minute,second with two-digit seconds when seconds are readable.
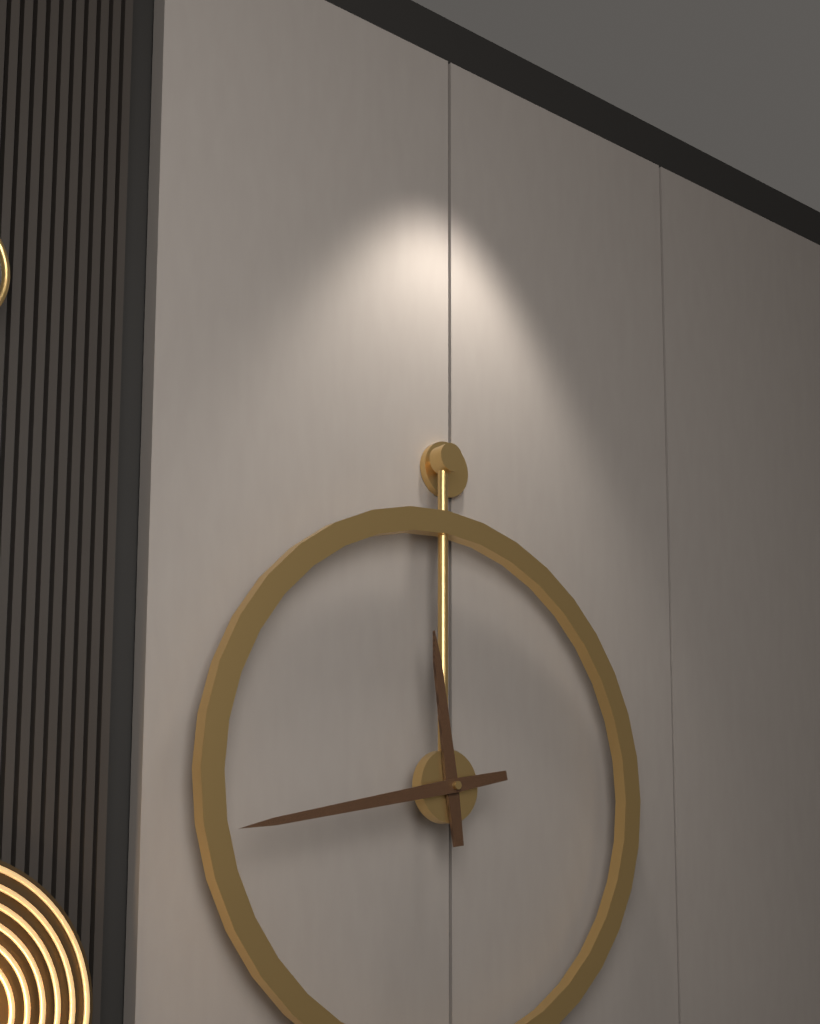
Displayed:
11,43
